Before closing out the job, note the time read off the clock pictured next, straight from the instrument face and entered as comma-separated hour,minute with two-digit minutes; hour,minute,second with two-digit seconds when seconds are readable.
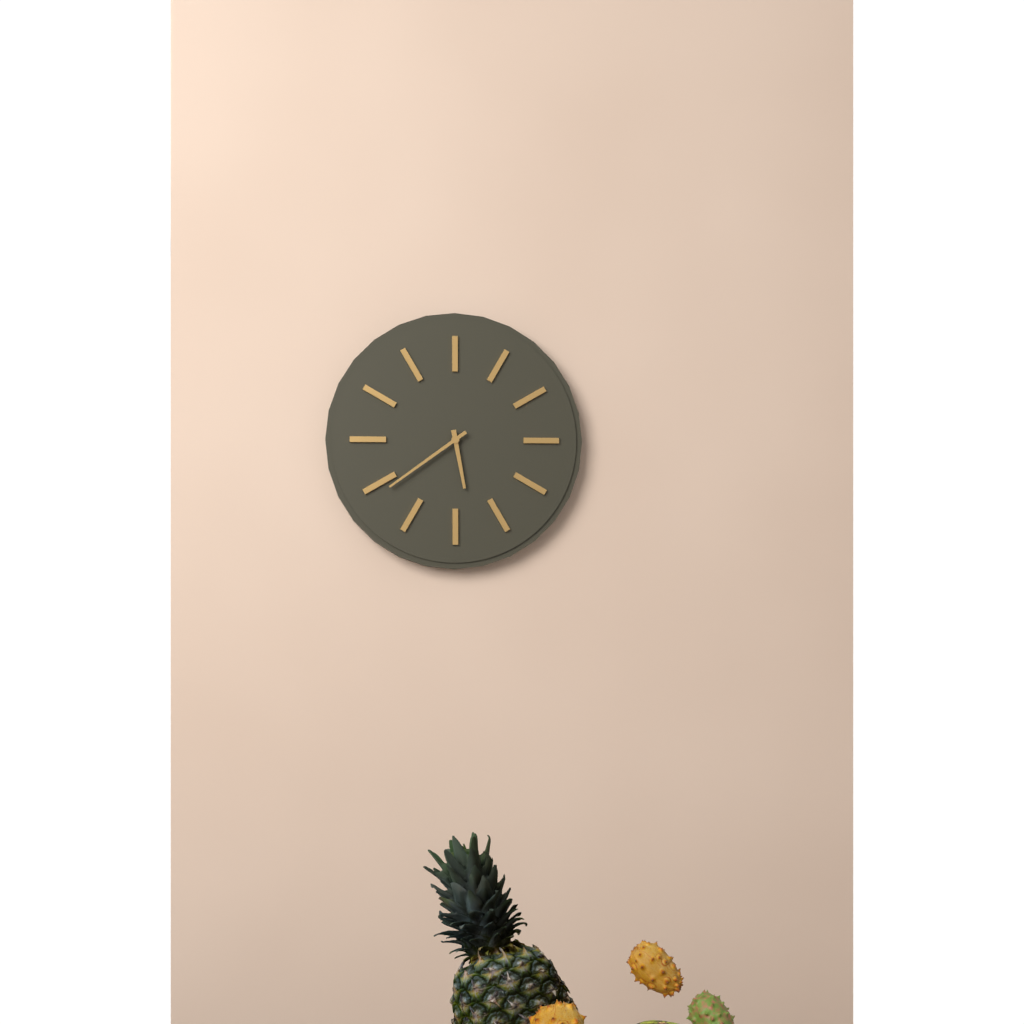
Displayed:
5,39
